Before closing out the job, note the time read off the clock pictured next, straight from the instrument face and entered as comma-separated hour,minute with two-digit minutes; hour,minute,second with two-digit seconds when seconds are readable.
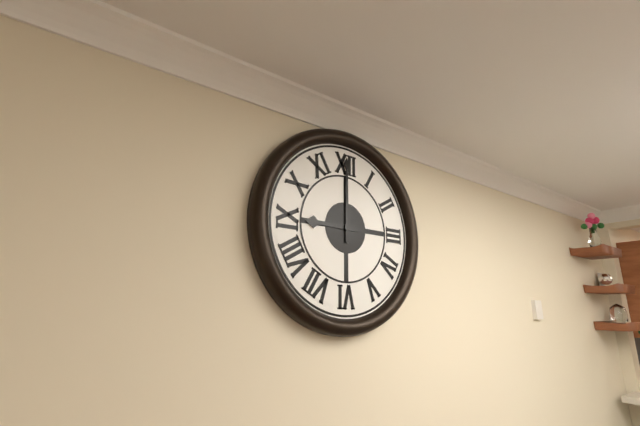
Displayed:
9,00
